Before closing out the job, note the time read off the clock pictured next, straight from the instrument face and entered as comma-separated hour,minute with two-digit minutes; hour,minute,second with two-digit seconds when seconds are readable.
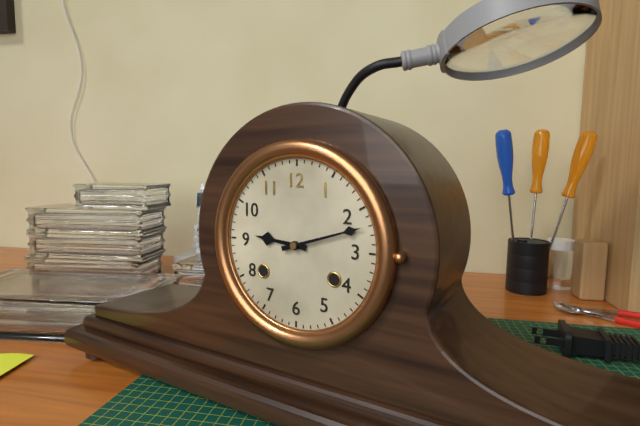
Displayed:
9,12
